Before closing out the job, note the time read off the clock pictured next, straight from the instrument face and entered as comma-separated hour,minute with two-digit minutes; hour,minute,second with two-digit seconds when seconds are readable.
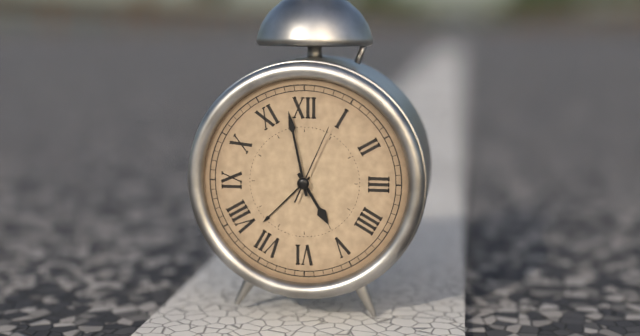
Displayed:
4,58,04
